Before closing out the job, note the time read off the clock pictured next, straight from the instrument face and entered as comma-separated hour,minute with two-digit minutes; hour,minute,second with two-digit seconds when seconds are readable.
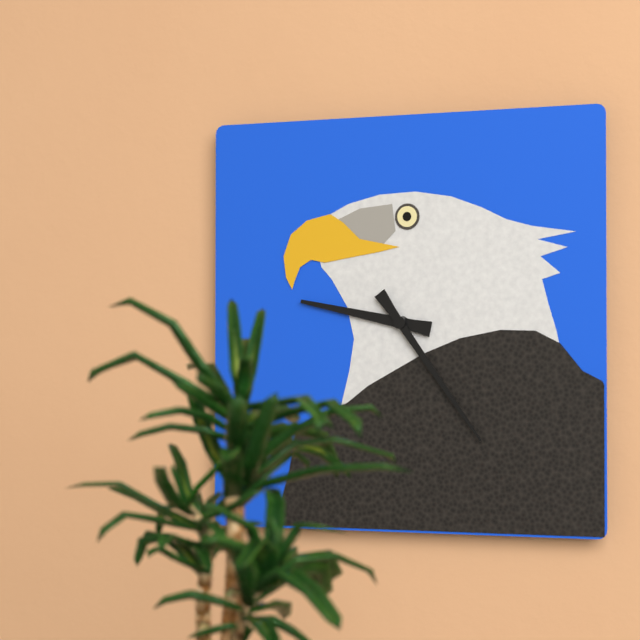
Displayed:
9,24
